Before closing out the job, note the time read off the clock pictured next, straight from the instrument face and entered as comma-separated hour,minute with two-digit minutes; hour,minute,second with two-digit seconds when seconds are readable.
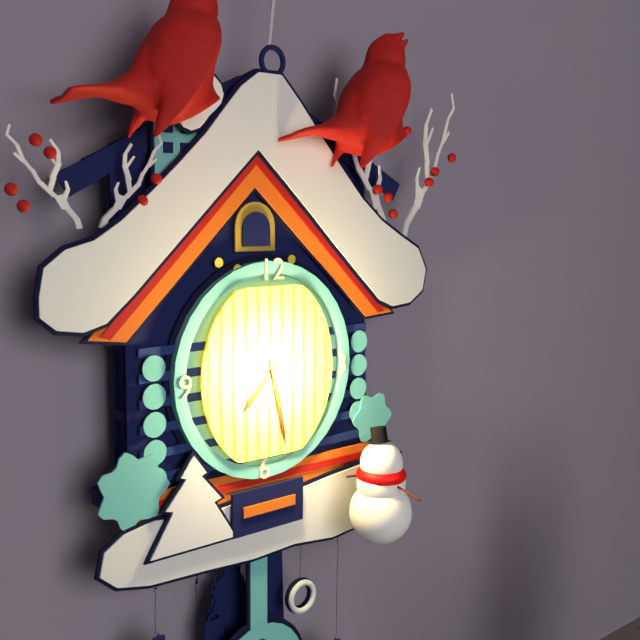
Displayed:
7,28
